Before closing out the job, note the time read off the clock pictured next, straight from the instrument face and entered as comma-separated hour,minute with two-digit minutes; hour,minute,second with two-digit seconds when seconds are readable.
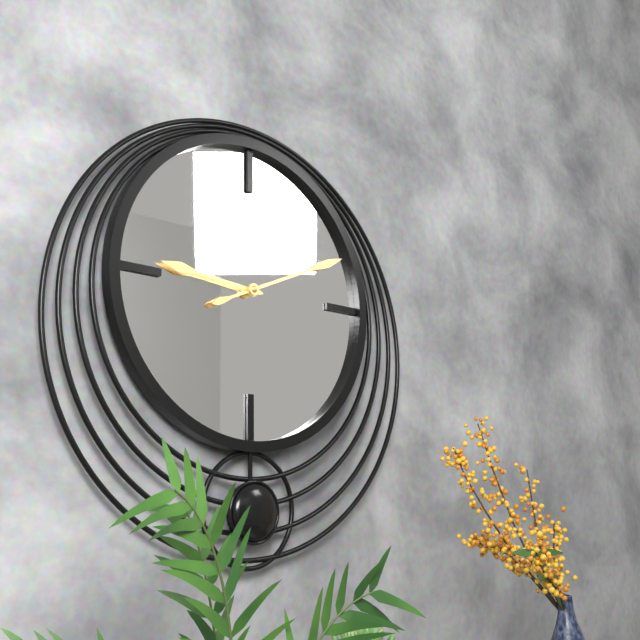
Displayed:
9,11
